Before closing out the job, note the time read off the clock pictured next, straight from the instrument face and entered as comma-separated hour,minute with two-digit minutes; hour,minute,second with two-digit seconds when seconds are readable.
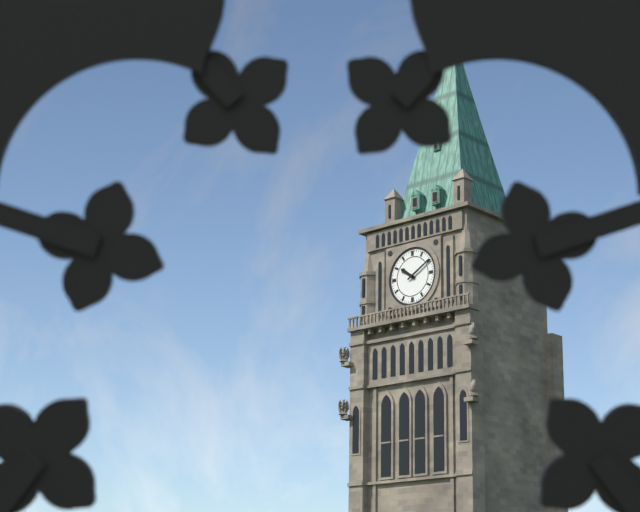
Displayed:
10,10
